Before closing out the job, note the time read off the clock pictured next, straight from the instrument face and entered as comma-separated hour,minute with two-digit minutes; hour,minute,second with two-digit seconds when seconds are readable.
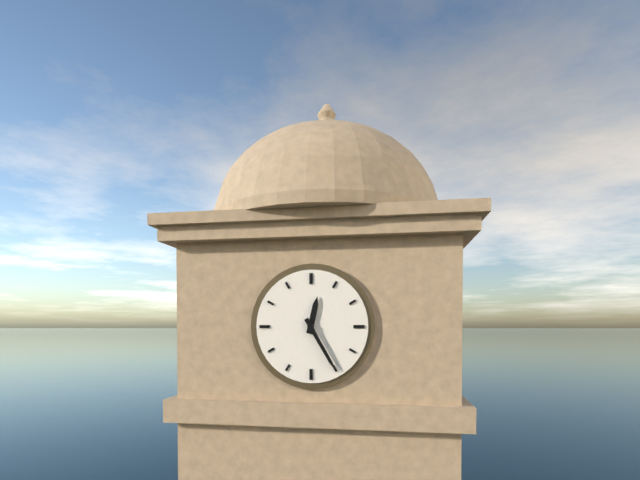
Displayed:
12,25
